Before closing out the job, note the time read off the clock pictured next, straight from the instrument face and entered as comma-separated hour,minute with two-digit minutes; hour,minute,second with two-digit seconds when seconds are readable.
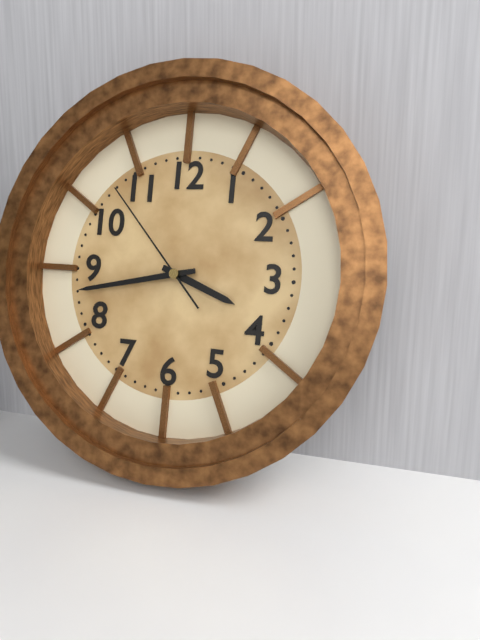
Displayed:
3,43,53
